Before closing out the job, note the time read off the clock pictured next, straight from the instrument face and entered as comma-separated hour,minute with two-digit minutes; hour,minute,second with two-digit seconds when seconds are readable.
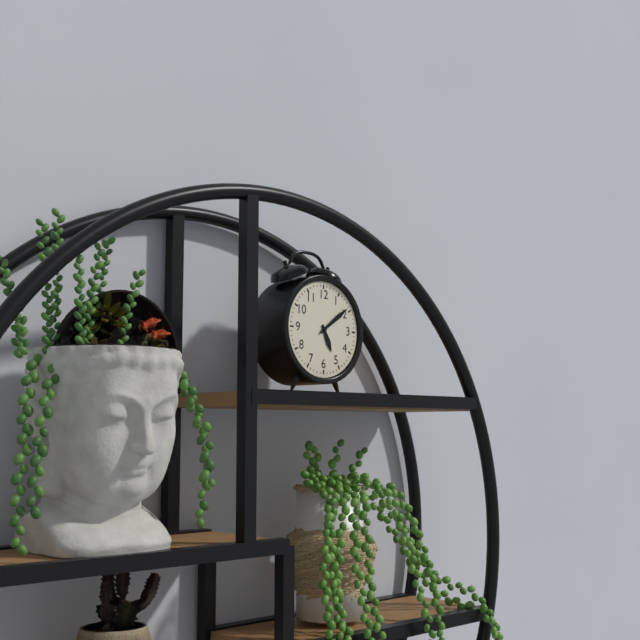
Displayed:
5,09
